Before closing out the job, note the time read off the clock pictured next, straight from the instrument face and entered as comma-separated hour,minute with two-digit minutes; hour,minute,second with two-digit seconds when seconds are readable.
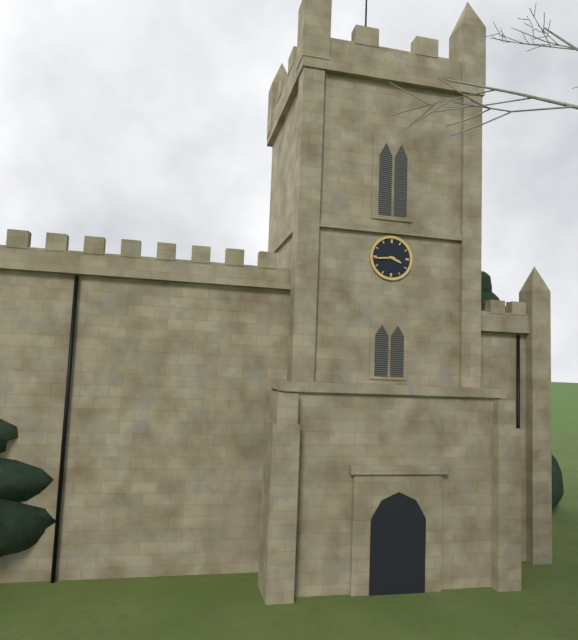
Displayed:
3,44
